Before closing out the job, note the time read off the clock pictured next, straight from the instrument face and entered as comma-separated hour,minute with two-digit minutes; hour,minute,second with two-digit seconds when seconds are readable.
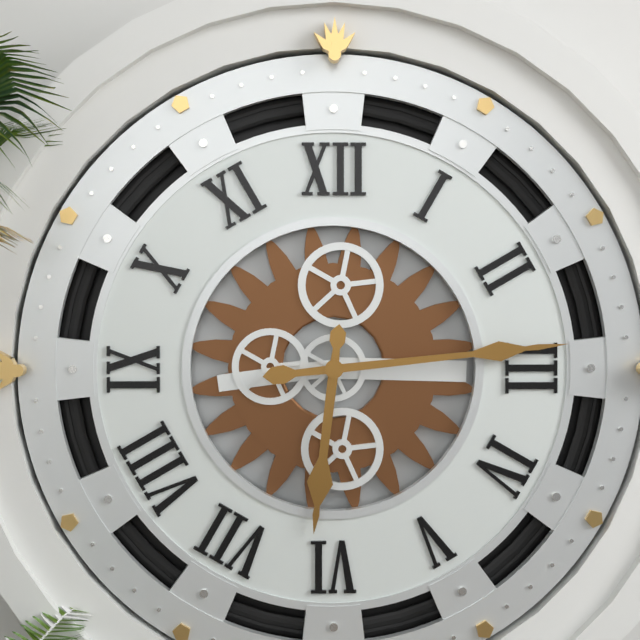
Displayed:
6,14
